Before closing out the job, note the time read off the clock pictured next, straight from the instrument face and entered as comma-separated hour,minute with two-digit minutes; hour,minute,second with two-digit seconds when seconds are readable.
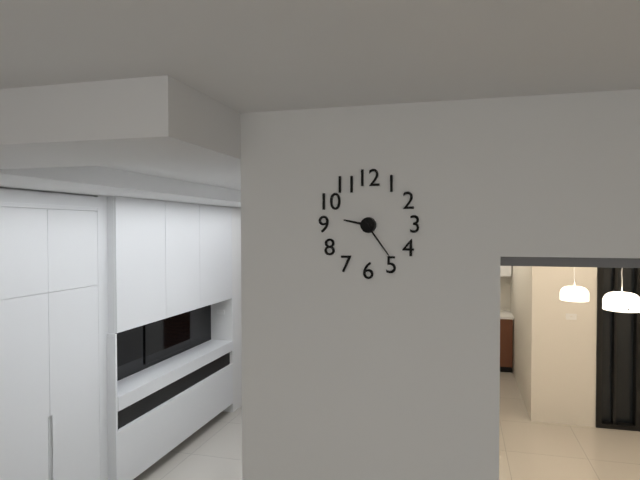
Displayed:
9,24
